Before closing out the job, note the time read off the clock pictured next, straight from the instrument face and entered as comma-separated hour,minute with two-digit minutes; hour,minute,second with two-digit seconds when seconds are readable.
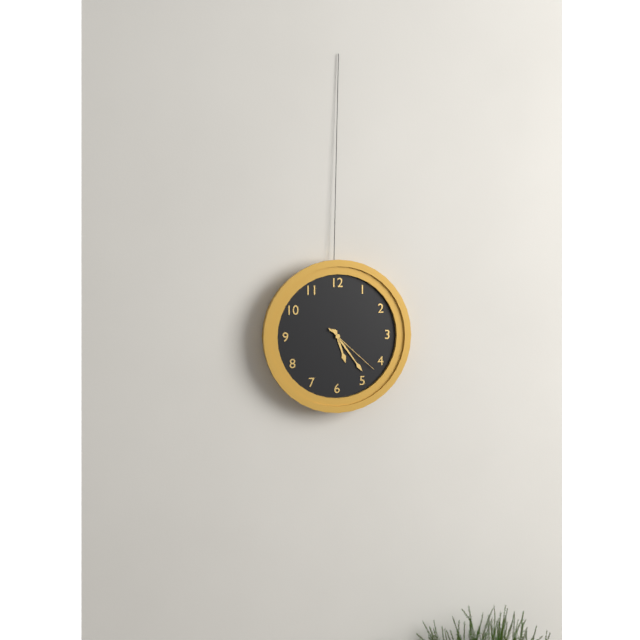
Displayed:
5,24,22
